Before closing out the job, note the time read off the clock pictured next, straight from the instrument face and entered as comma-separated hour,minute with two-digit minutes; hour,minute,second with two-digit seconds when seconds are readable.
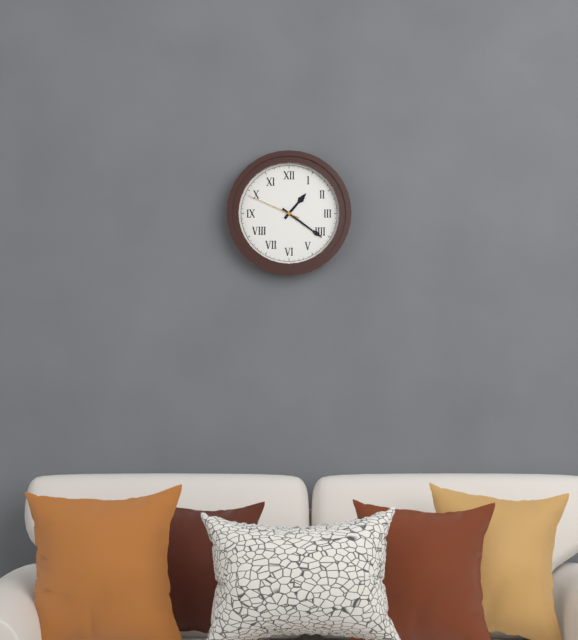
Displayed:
1,21,49
